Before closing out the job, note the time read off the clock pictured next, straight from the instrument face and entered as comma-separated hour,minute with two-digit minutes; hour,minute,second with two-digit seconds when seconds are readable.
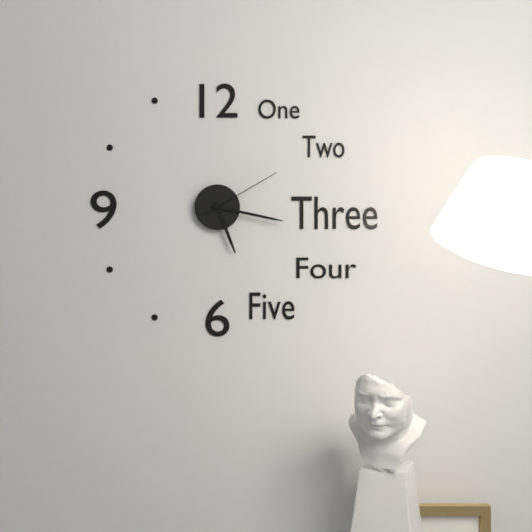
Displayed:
5,17,10
